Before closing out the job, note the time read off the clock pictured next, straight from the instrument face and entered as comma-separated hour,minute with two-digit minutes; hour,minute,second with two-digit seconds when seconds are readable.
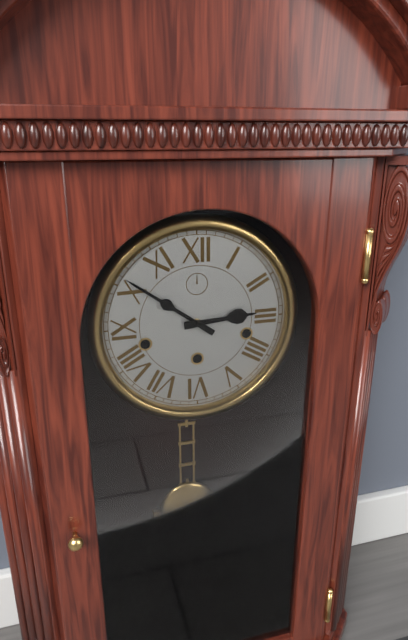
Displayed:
2,51
